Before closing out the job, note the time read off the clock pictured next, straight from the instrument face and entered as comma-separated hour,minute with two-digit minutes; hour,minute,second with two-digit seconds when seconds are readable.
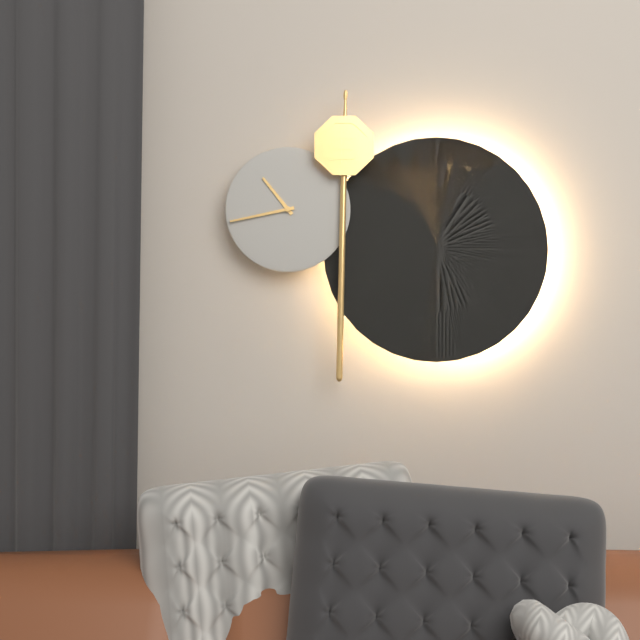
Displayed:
10,43
